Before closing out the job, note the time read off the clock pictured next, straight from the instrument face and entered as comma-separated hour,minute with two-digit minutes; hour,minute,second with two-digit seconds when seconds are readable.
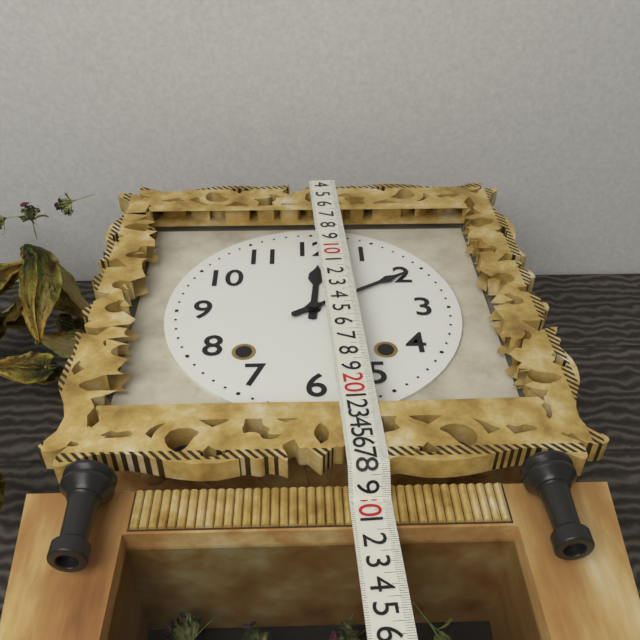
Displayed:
12,10
